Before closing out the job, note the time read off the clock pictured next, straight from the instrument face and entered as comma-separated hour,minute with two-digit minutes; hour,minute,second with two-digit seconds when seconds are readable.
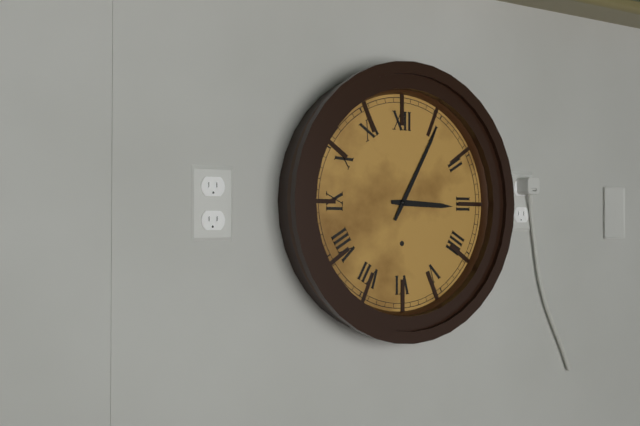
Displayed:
3,05
